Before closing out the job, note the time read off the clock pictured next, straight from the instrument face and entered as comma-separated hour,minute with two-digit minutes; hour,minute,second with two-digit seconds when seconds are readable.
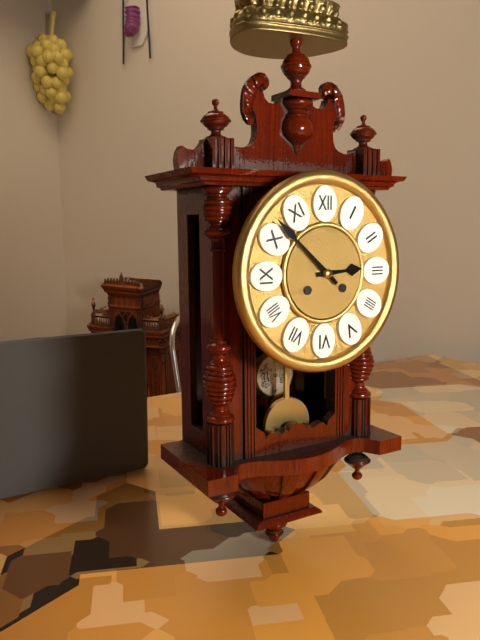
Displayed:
2,52
